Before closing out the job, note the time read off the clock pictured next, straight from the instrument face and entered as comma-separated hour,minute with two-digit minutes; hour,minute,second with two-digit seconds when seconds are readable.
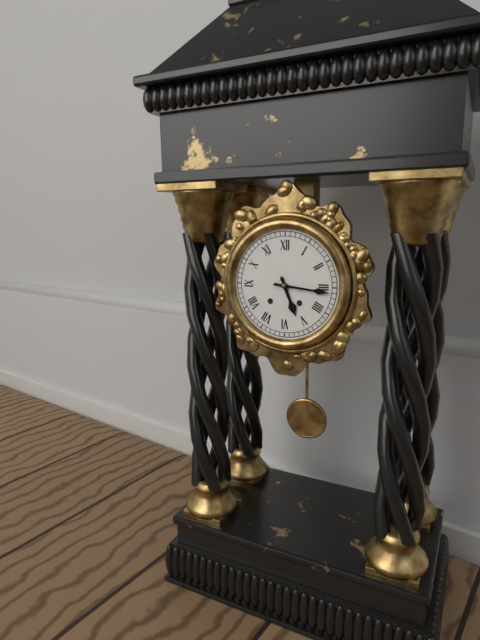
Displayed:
5,16
